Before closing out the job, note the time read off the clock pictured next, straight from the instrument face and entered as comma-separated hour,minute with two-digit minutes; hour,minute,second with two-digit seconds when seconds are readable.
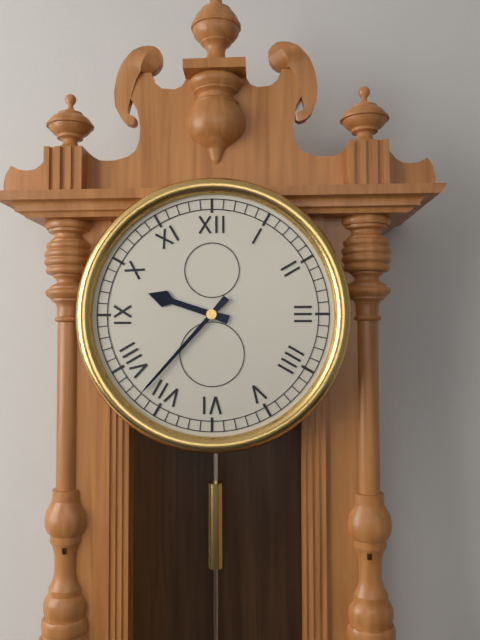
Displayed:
9,37
